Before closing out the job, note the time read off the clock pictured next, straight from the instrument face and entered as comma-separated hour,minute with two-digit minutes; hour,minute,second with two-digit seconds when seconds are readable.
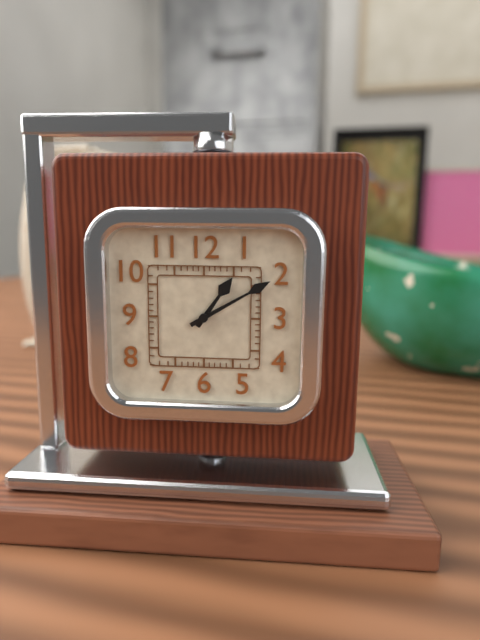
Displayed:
1,10
